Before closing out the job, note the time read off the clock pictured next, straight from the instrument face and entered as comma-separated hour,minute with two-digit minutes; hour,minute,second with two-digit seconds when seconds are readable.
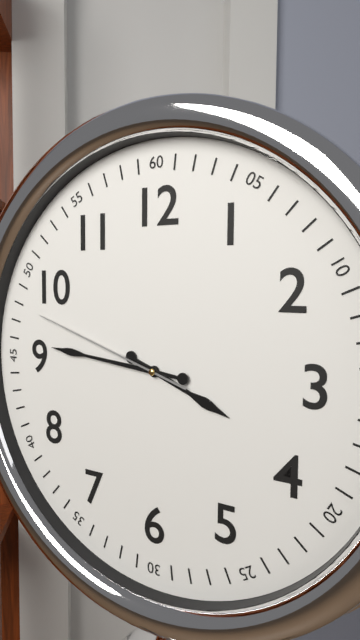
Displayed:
3,46,48
